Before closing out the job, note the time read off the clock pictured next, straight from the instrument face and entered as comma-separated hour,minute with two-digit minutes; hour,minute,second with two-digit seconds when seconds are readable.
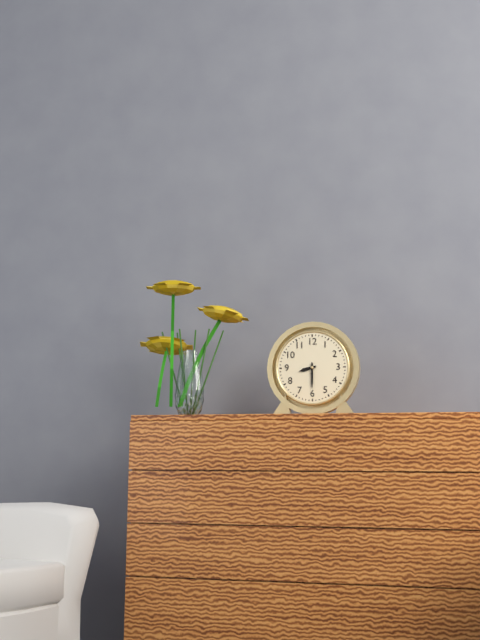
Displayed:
8,30
